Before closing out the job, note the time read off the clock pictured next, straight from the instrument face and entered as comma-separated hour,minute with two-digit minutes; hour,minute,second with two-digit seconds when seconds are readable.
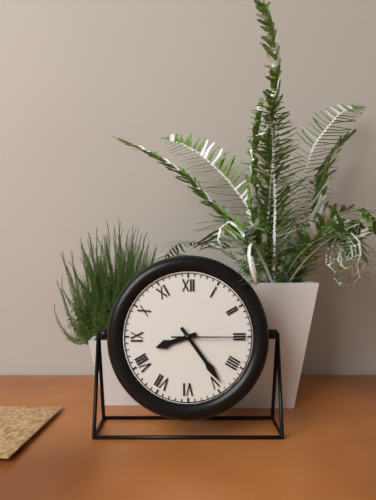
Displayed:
8,24,15
